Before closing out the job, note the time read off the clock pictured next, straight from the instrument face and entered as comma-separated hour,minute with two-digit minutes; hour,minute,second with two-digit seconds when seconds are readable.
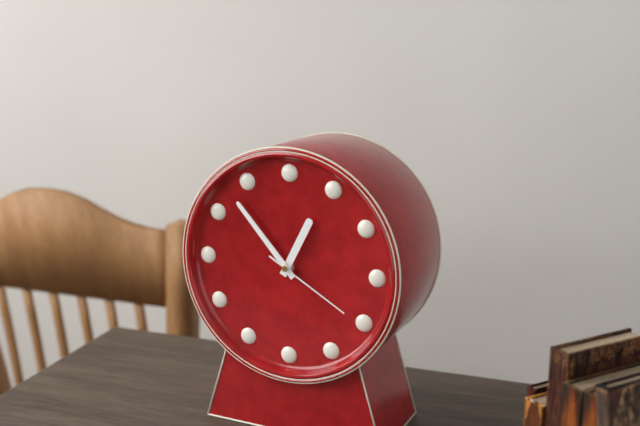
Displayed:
12,53,20
